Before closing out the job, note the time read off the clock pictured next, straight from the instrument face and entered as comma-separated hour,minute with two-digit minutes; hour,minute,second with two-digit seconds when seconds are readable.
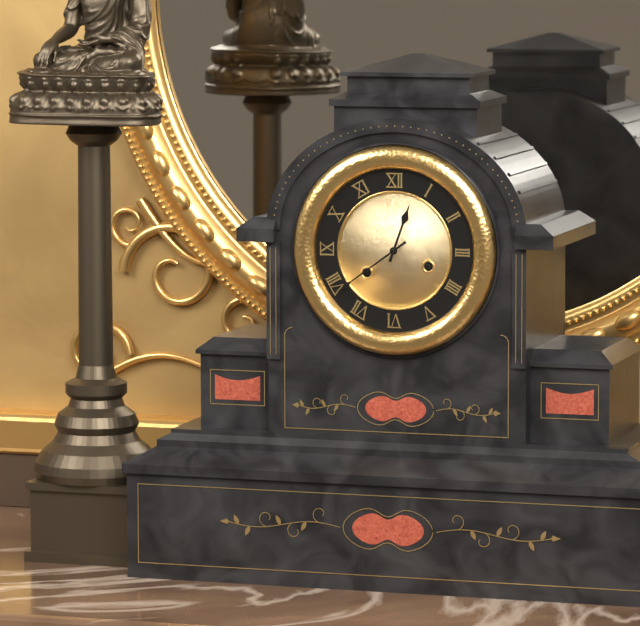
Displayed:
12,39
